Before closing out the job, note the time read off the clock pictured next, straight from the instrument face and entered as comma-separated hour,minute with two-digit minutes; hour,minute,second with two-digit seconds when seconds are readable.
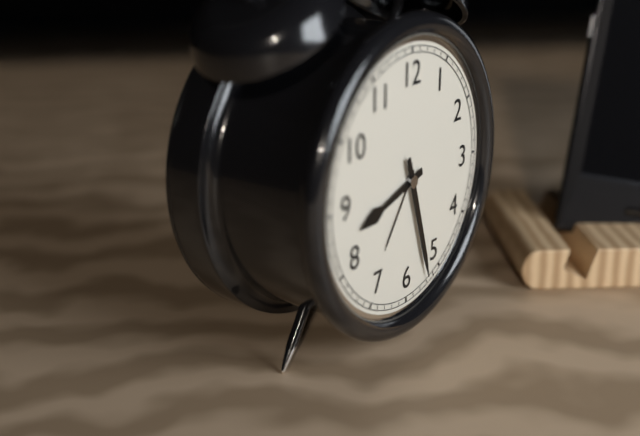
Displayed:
8,27
